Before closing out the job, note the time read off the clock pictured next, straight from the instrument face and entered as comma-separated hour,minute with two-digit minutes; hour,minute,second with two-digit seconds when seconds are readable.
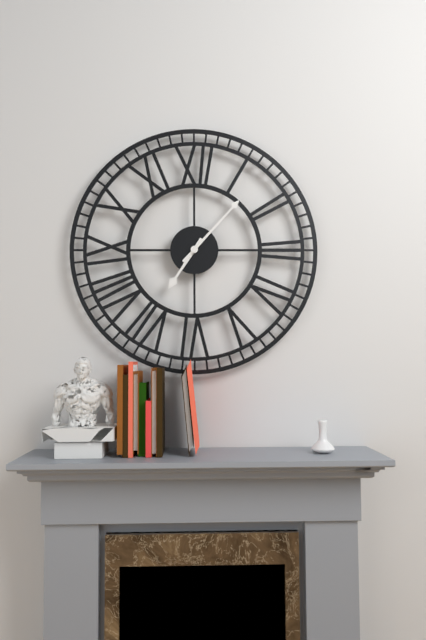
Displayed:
7,07
